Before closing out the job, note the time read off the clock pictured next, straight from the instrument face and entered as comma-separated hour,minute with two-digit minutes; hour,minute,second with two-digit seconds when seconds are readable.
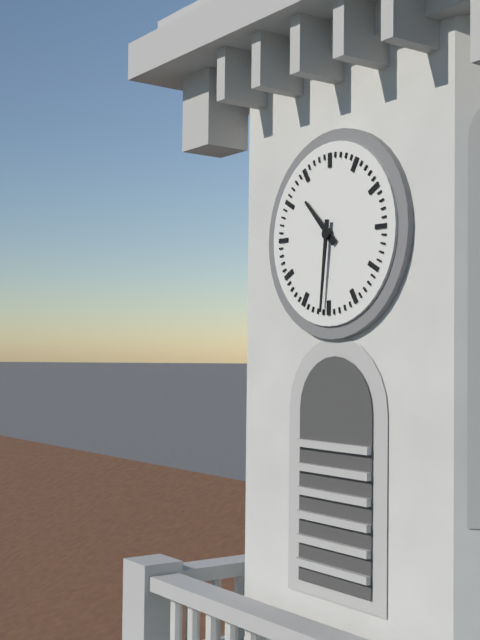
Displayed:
10,31
